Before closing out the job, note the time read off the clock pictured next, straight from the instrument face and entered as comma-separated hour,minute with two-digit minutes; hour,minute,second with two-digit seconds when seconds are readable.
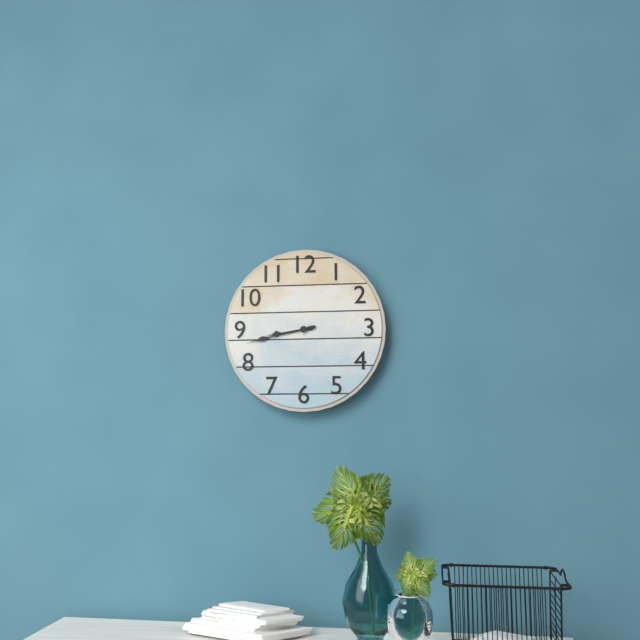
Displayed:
8,43
